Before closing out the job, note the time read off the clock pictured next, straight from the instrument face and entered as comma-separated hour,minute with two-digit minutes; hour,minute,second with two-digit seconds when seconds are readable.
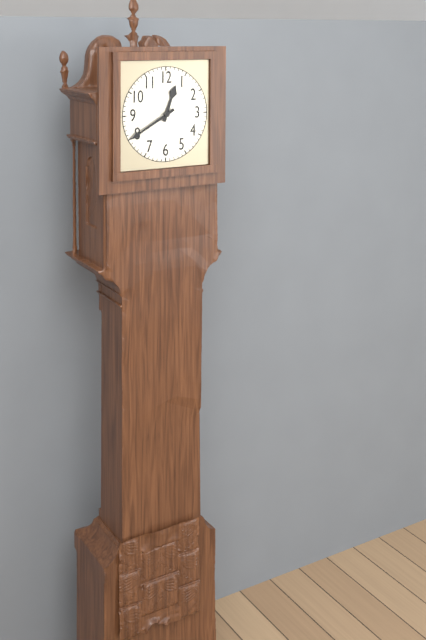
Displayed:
12,40
